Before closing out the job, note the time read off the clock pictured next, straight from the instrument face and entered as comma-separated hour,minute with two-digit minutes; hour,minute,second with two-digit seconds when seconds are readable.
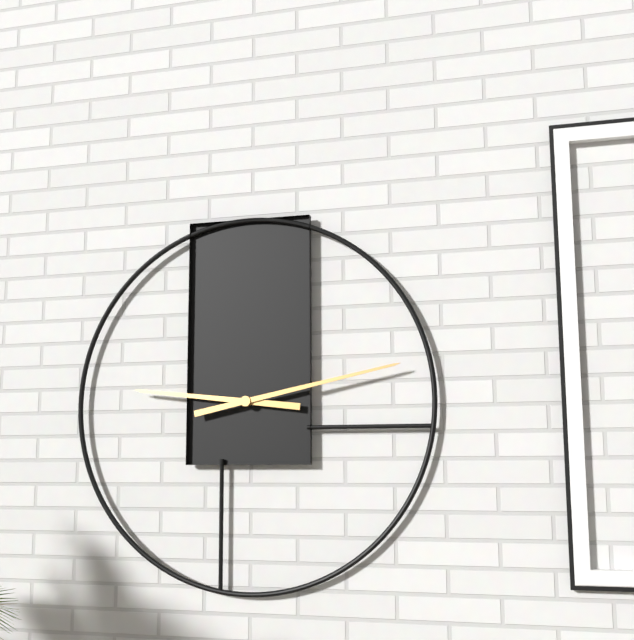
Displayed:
9,13
